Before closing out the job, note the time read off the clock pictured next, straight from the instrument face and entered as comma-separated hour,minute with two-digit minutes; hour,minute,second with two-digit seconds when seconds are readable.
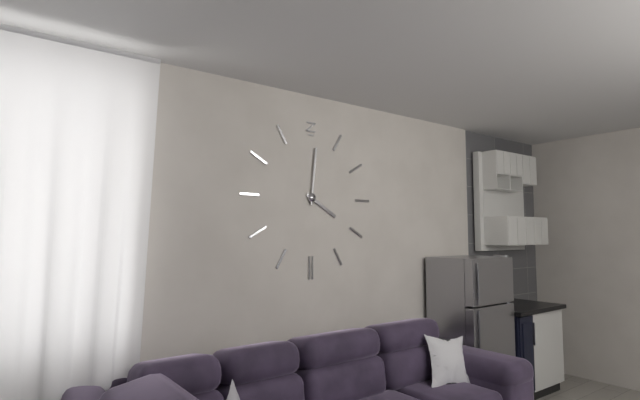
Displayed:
4,01
